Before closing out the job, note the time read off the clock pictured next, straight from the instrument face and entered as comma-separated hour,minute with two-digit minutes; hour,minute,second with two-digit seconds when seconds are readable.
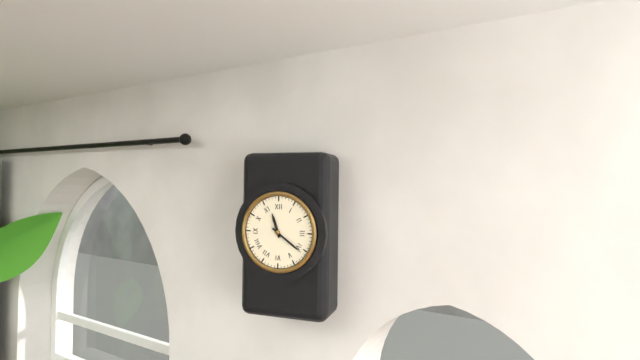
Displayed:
11,21
